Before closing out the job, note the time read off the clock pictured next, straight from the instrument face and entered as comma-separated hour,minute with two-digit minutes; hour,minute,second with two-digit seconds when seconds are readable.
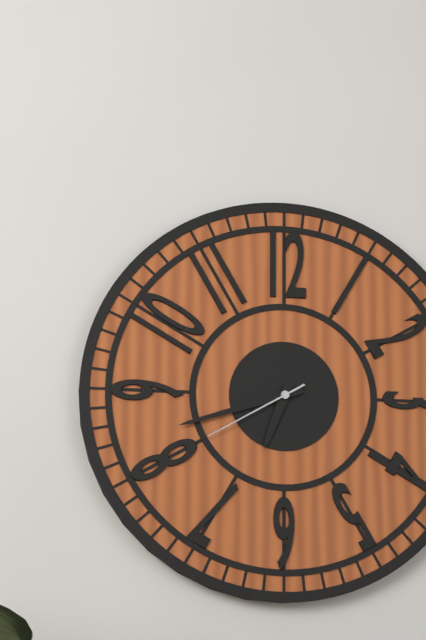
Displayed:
6,42,40
